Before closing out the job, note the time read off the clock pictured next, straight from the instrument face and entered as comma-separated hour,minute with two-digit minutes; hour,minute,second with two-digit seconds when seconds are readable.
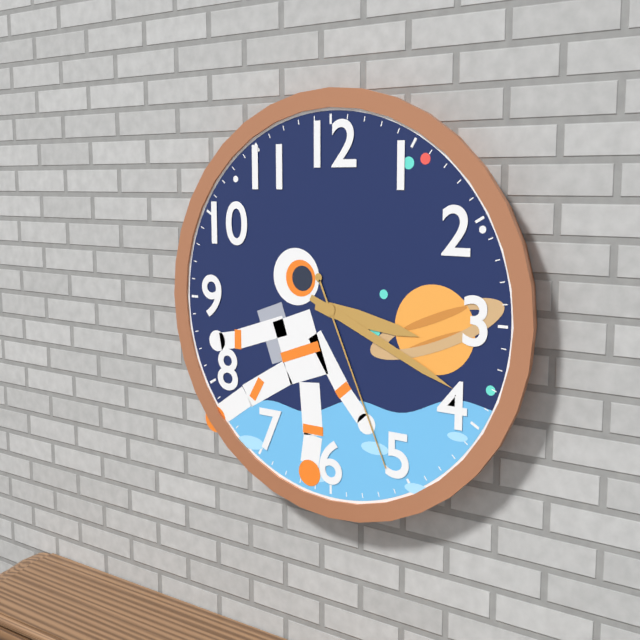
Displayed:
3,19,26
